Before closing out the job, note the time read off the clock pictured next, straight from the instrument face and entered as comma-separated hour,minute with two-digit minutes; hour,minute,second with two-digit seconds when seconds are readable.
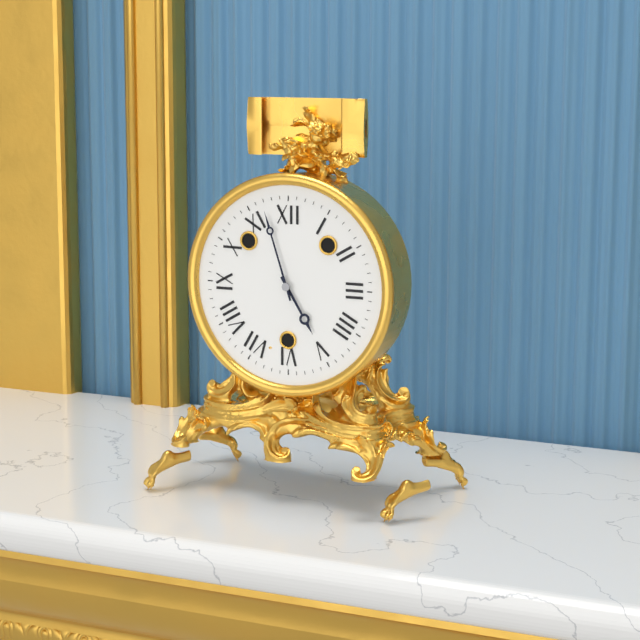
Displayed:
4,57
